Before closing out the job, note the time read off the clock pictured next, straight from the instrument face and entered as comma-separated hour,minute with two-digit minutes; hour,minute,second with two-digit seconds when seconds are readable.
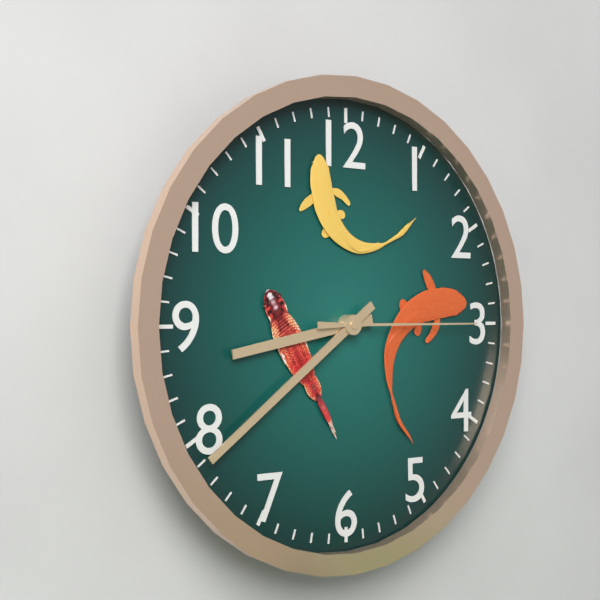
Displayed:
8,39,15
